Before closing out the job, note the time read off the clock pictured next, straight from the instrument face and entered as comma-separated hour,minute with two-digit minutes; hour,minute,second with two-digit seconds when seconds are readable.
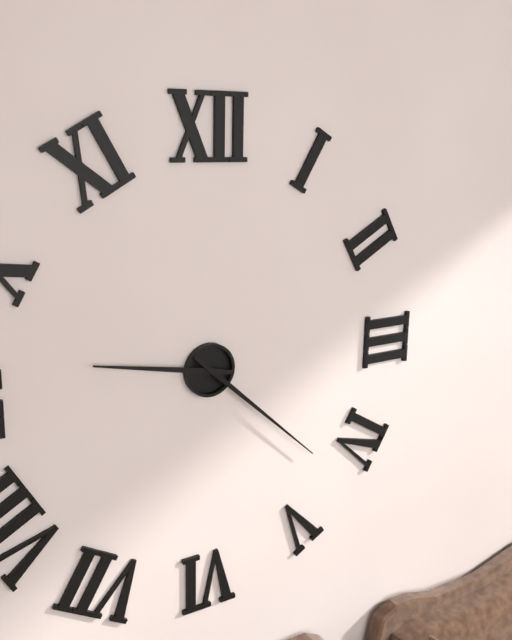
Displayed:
9,22
